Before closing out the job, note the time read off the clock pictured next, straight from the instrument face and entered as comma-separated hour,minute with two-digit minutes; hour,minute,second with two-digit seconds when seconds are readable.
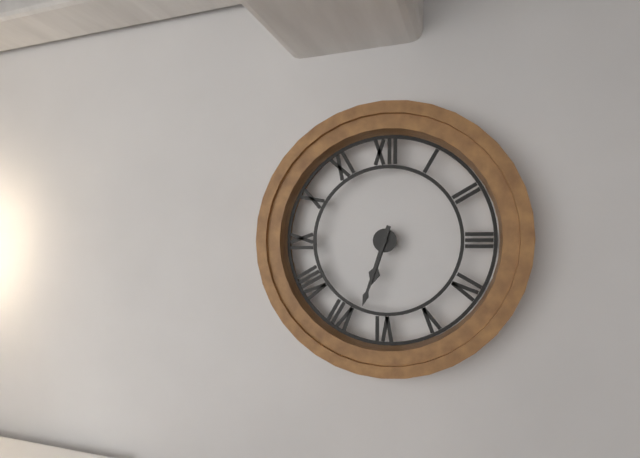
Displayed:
6,33
